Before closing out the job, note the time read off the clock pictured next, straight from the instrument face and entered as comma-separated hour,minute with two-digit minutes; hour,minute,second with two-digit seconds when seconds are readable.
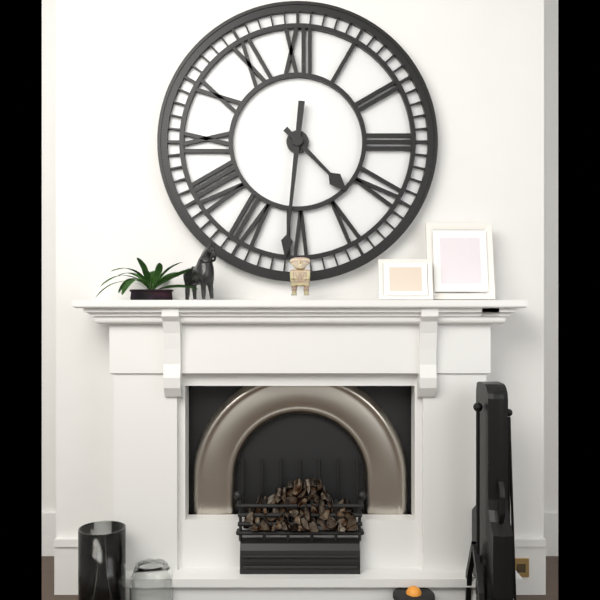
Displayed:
4,31
